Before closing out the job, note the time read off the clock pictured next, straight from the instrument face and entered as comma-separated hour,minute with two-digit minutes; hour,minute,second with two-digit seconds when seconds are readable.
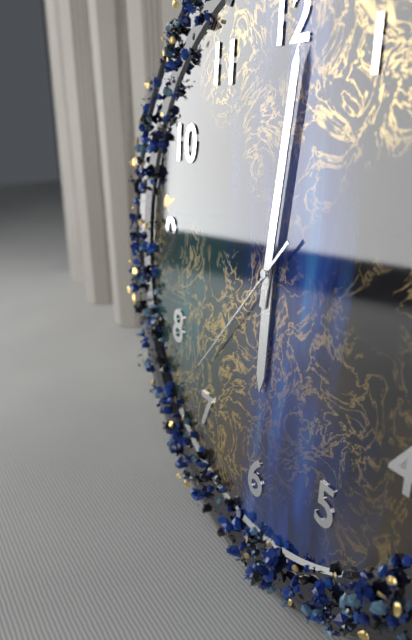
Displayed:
6,01,37
